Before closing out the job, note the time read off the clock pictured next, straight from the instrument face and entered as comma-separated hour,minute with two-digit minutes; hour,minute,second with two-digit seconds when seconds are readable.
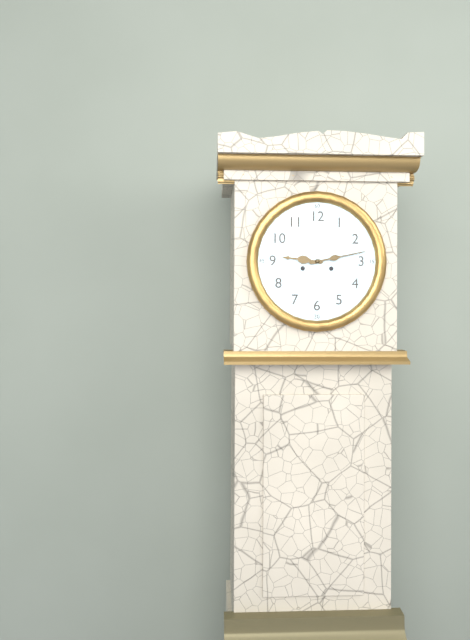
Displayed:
9,13
